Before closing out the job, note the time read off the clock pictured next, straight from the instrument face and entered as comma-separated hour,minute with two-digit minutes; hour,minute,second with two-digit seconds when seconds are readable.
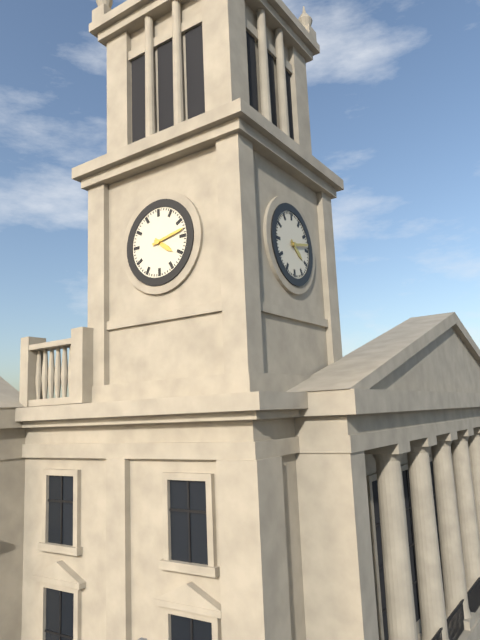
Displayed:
4,13
